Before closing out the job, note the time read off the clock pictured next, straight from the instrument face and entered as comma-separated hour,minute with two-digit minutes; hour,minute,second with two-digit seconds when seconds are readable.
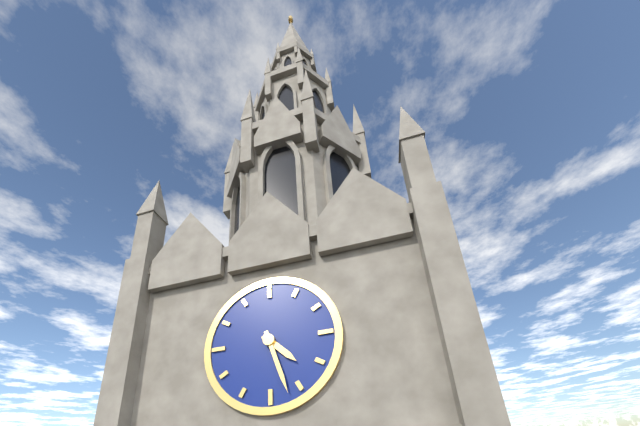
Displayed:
4,27
